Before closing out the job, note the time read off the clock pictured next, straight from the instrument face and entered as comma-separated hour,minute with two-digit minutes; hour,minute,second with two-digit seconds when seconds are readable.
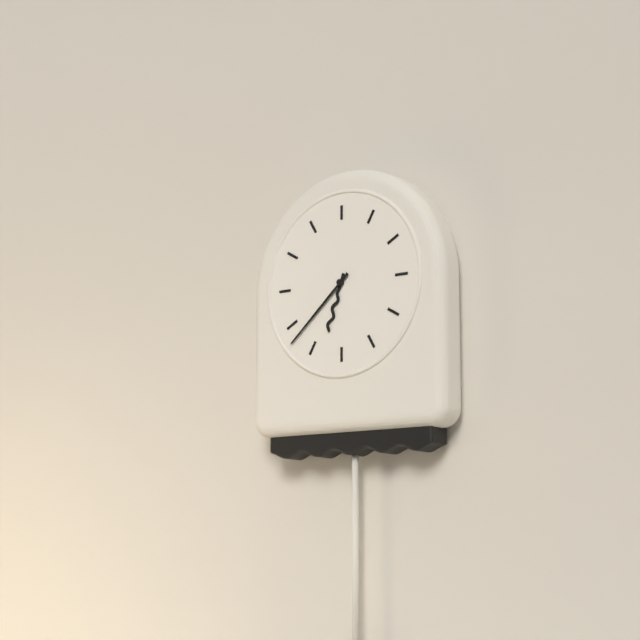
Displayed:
6,38
